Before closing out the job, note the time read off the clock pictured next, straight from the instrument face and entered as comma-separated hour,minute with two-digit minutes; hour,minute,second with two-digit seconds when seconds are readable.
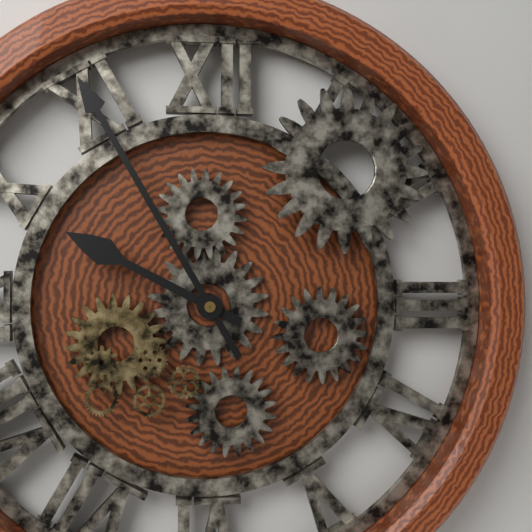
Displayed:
9,55
